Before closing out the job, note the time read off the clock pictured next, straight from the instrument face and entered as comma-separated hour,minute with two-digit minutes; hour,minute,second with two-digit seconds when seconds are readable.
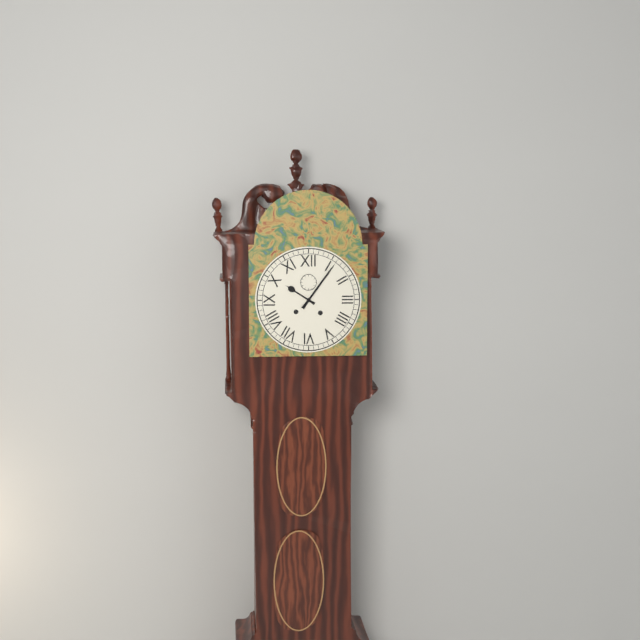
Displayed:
10,06
